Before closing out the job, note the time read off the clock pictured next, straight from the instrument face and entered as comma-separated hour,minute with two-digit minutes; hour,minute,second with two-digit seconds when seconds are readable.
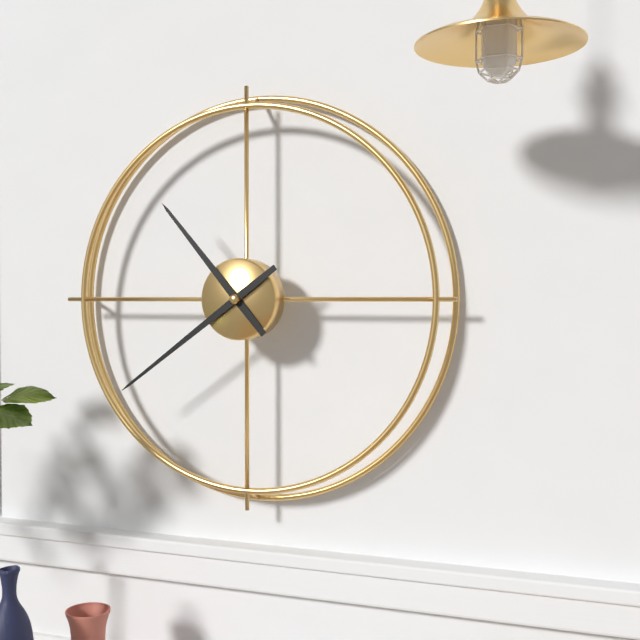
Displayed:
10,39
